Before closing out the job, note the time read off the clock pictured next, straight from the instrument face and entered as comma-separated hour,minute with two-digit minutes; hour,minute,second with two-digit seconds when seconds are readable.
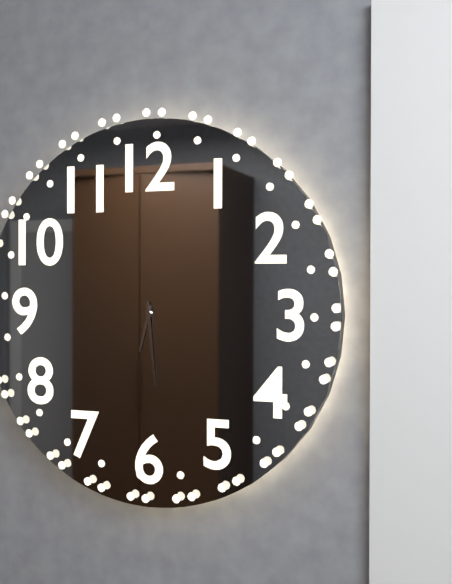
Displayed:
6,29
